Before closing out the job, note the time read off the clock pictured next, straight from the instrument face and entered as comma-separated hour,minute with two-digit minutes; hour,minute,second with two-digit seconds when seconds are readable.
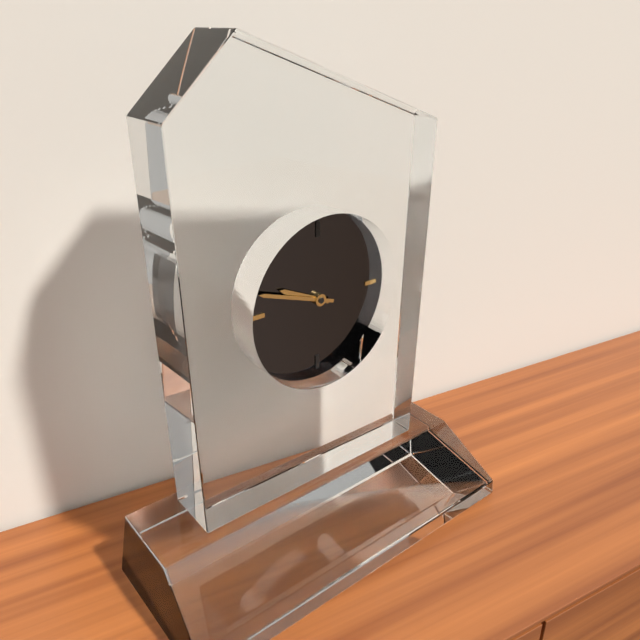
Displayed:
9,48
